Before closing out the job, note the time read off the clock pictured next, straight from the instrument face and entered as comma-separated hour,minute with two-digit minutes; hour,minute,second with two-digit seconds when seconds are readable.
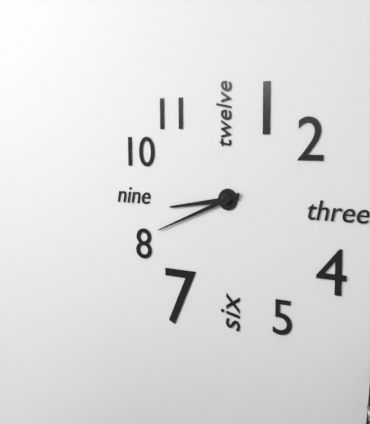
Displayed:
8,41
